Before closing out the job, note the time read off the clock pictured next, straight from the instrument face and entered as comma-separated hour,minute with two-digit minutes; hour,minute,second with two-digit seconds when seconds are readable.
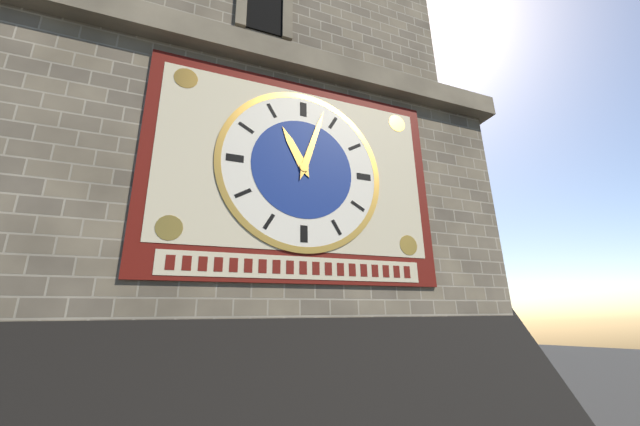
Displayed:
11,03
